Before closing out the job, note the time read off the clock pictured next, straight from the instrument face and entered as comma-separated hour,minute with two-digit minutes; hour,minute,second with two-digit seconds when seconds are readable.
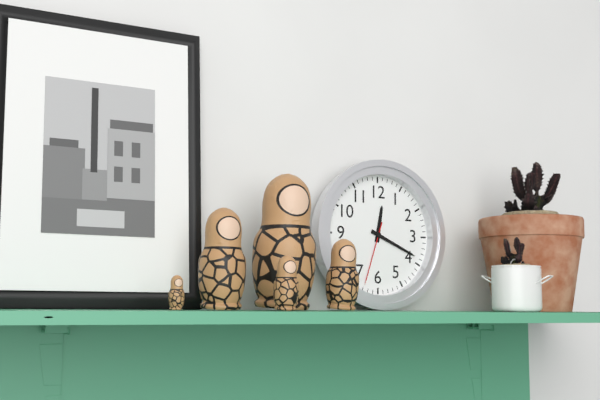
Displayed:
12,19,33
